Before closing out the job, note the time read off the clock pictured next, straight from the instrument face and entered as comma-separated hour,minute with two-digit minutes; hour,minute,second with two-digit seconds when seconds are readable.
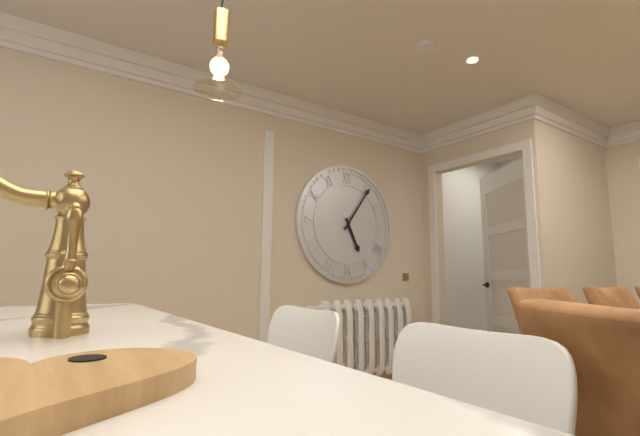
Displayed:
5,06
